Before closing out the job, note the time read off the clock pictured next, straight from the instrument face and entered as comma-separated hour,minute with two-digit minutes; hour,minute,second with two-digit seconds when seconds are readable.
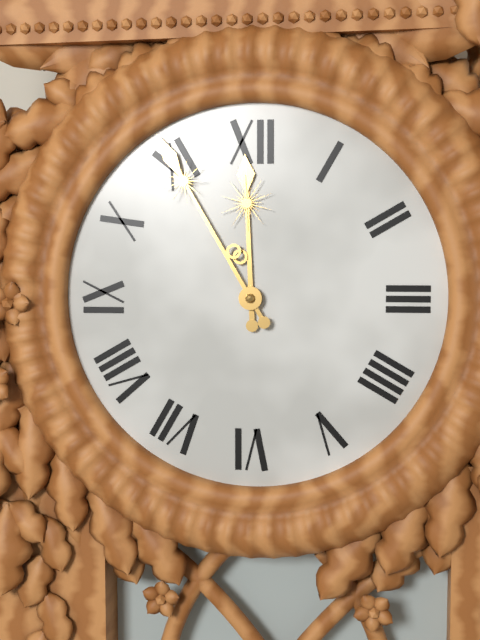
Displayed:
11,55
